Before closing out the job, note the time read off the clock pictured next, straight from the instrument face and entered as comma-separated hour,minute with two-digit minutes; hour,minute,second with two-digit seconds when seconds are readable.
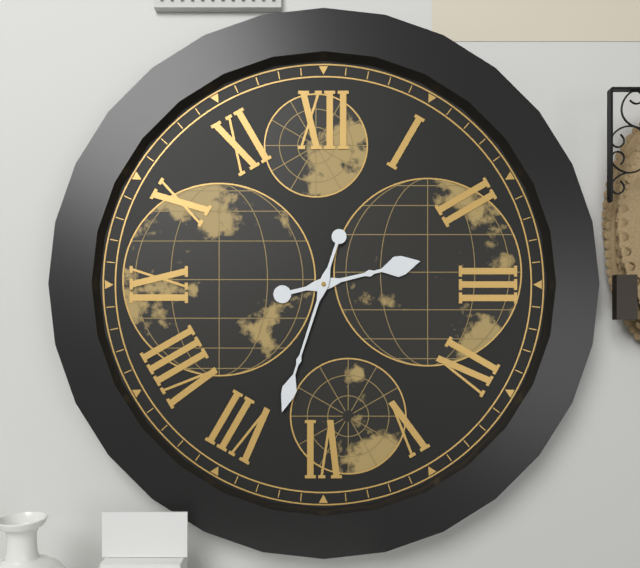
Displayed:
2,33
